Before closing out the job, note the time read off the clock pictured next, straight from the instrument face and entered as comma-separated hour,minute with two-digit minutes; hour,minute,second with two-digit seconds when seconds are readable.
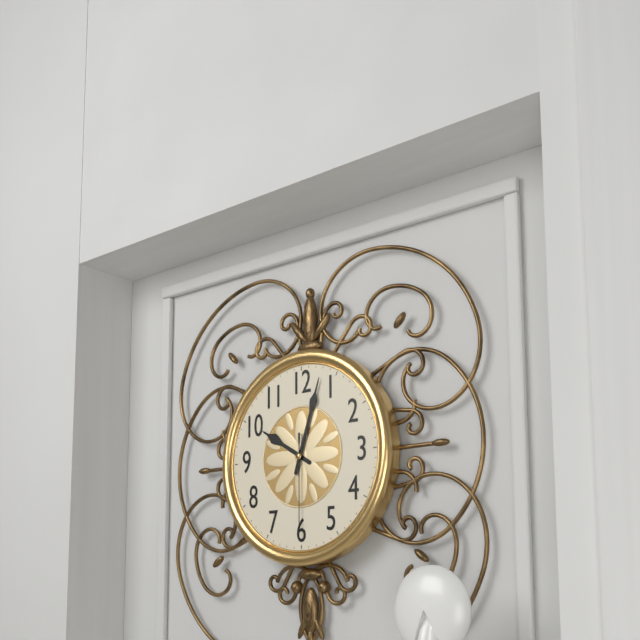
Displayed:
10,03,30
